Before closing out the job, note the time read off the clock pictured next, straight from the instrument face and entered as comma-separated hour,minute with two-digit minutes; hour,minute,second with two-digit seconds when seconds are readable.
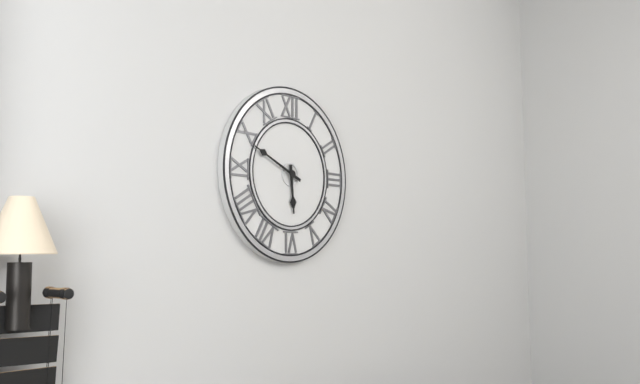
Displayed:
5,49
